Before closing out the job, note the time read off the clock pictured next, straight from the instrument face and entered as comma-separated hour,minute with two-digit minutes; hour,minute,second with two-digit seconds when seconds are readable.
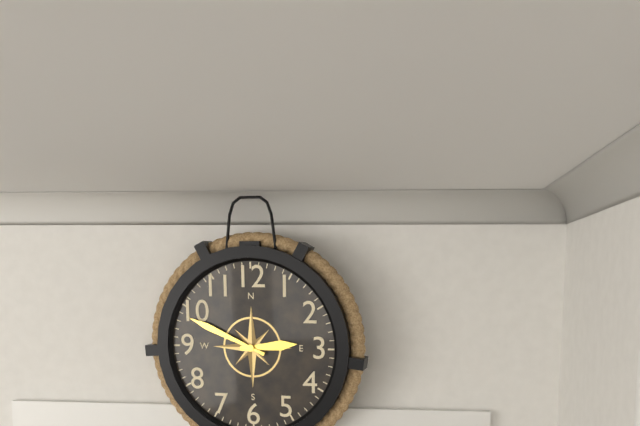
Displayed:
2,49
